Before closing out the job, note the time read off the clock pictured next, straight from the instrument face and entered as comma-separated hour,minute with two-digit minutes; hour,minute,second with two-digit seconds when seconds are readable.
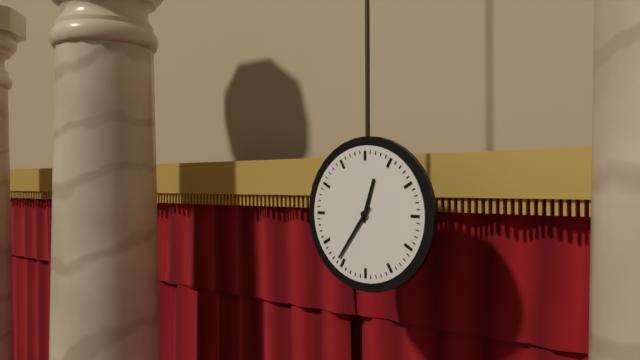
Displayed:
12,36
